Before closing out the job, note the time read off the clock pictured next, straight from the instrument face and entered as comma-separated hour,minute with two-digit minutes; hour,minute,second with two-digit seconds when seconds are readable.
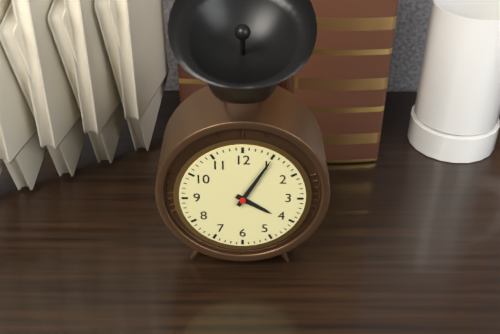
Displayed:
4,05
